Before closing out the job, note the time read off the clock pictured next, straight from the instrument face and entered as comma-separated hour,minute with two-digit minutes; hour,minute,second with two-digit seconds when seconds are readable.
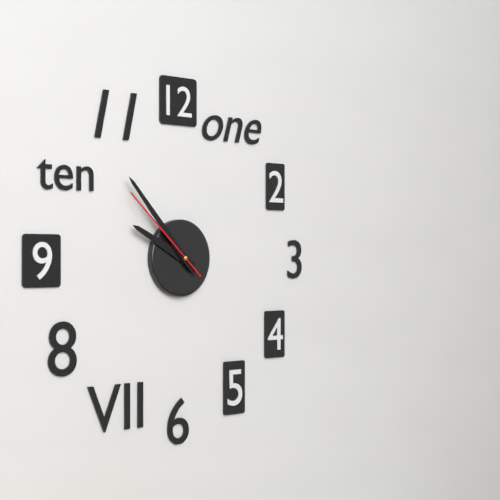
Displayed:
9,53,52
